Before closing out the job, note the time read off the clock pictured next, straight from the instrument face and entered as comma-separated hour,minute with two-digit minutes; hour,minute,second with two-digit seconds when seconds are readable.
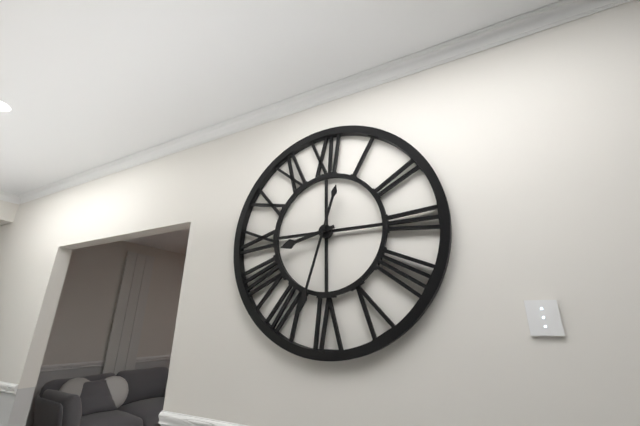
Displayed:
8,33
